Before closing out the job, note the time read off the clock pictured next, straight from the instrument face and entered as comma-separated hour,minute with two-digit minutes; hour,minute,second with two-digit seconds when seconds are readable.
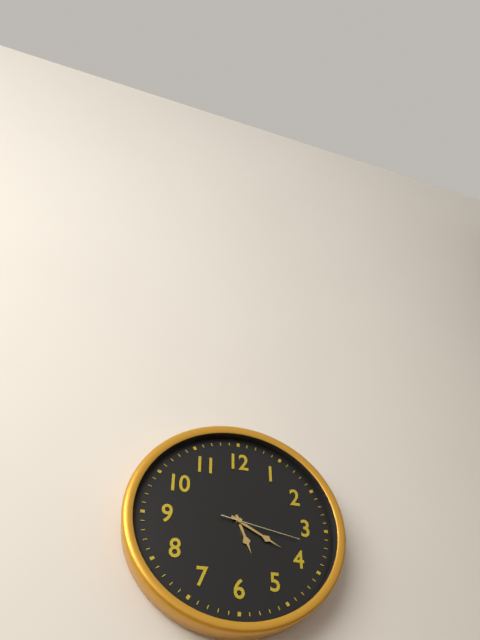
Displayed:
5,20,17
